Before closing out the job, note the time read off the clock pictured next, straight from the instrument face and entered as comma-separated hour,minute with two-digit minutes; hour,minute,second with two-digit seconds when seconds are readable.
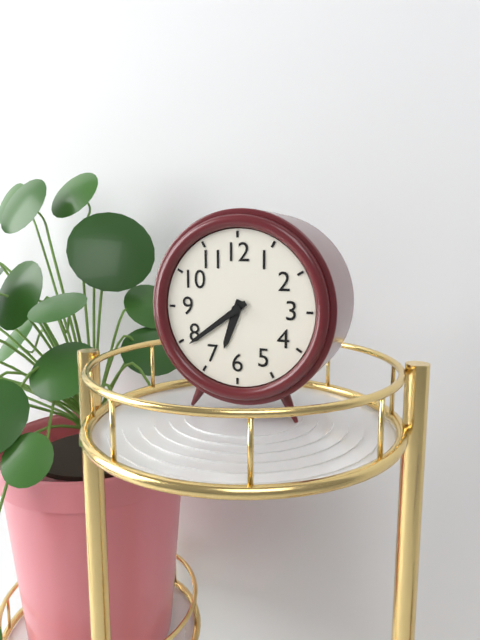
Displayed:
6,39
